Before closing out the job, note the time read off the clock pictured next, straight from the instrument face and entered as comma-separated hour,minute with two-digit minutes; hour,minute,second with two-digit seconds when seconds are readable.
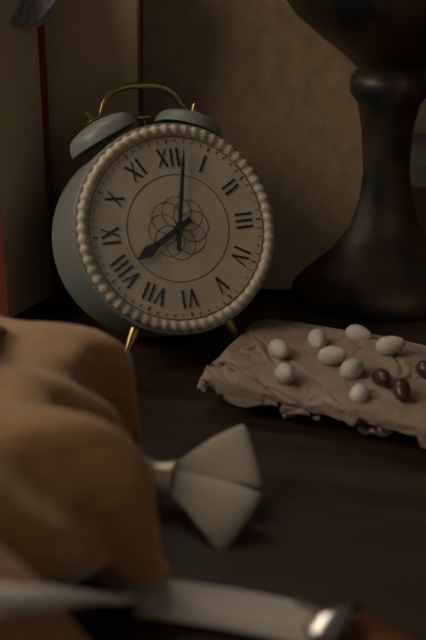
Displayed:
8,02
